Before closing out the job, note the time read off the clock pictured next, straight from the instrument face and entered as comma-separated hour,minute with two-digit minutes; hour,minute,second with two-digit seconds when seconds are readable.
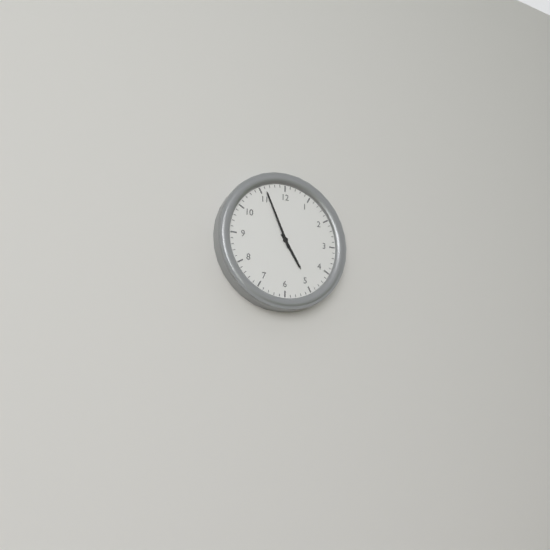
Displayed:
4,56
